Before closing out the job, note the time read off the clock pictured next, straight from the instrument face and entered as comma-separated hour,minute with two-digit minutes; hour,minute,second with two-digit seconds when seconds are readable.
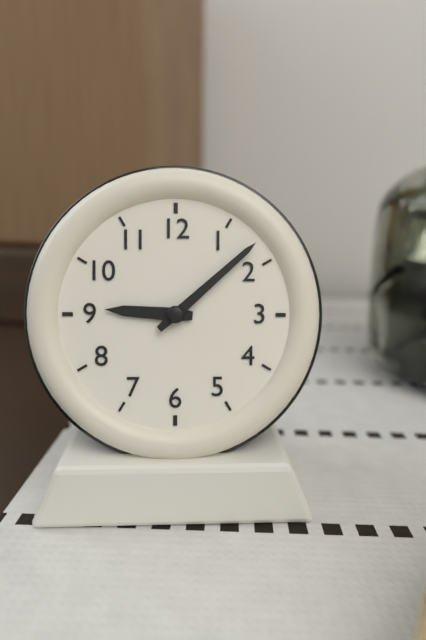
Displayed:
9,08
